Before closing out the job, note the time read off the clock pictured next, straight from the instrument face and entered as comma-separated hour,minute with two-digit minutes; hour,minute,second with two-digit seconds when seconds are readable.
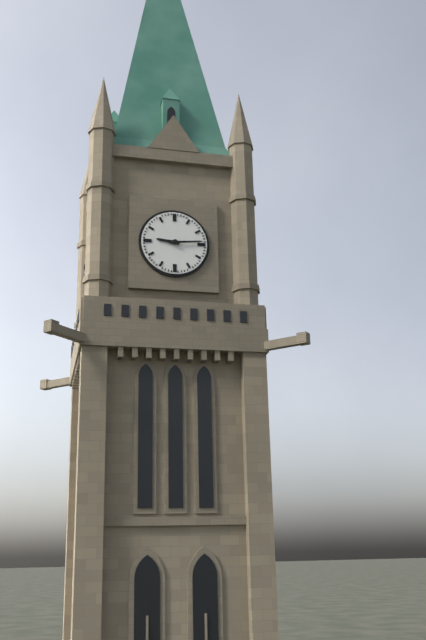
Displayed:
9,14
